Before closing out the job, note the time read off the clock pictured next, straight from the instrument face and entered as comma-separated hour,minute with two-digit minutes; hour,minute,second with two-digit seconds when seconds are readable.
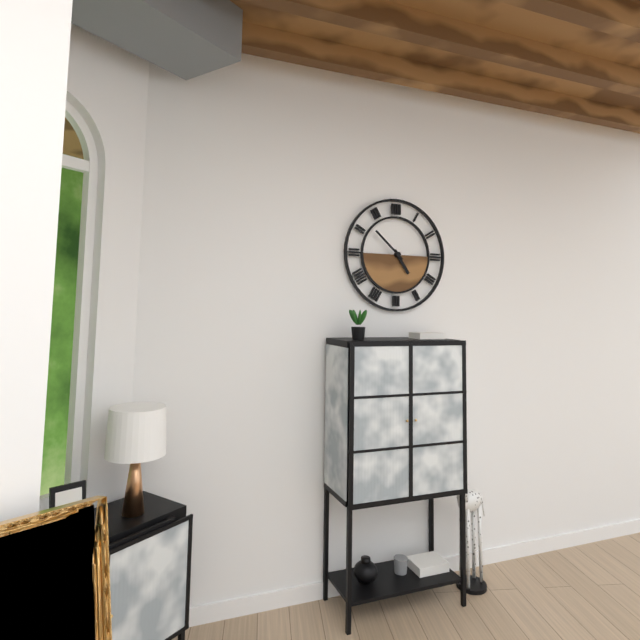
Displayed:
4,52
